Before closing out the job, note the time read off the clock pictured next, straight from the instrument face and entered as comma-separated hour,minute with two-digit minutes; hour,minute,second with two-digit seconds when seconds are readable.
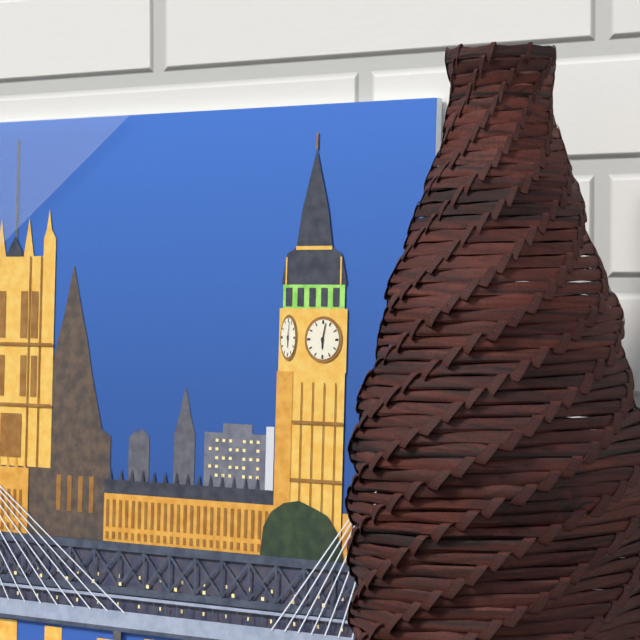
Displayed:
6,02
